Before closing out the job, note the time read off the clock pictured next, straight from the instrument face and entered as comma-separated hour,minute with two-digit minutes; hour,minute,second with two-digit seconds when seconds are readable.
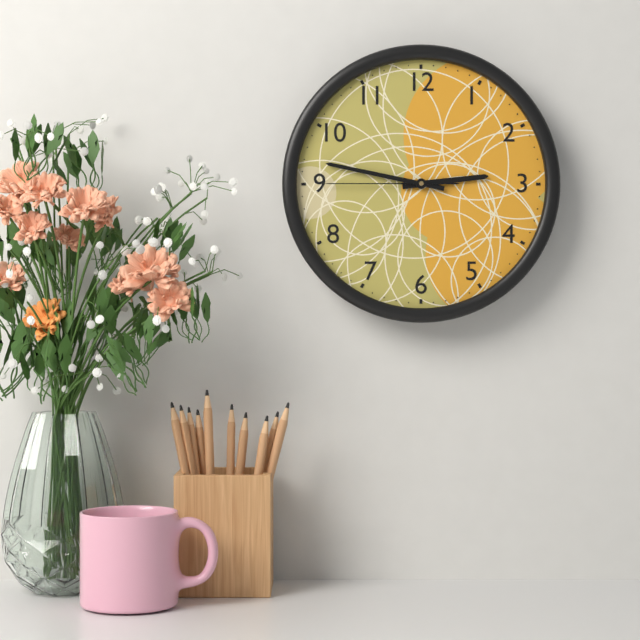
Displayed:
2,47,45
